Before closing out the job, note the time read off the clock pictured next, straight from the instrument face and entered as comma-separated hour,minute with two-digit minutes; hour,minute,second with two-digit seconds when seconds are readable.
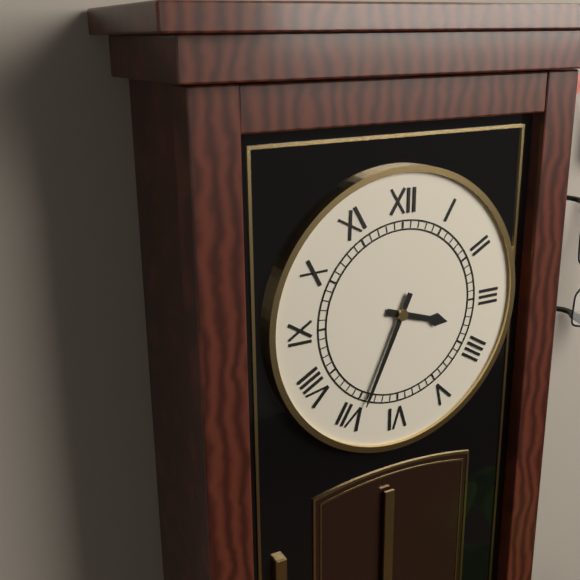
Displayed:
3,34
